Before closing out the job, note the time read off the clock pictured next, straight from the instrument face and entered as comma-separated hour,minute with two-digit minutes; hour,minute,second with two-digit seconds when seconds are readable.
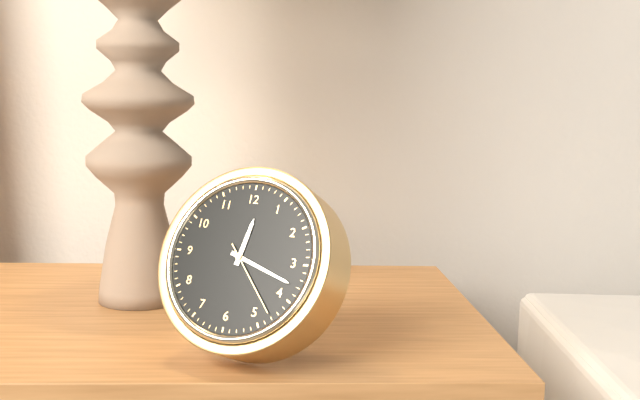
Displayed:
12,18,23
